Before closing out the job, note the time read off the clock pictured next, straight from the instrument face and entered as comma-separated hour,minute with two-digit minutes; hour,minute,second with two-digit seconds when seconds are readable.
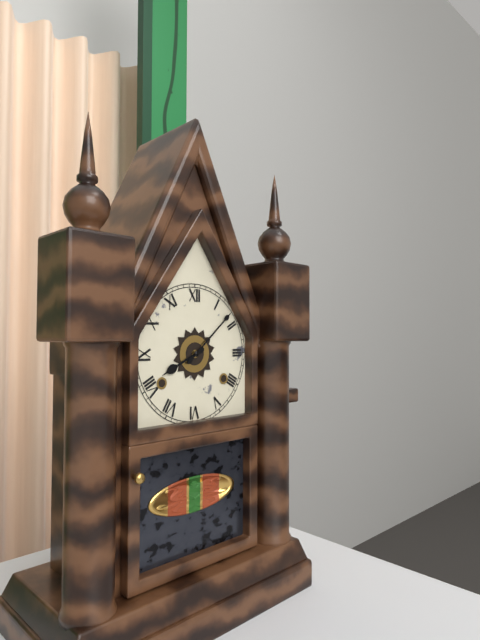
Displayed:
8,08
